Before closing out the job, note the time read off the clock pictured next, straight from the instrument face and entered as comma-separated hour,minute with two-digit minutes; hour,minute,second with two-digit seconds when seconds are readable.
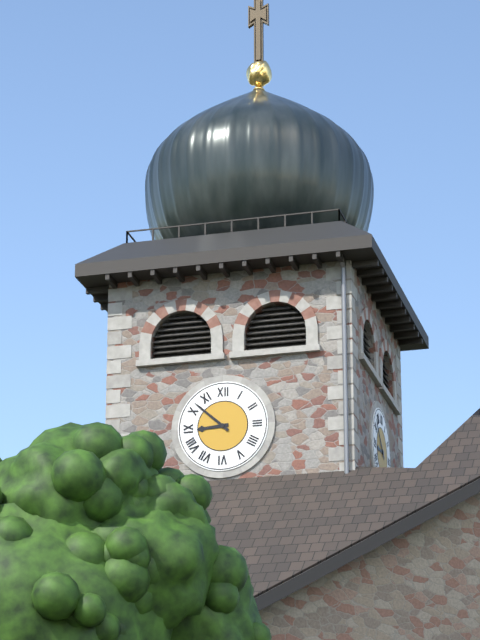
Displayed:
8,52
